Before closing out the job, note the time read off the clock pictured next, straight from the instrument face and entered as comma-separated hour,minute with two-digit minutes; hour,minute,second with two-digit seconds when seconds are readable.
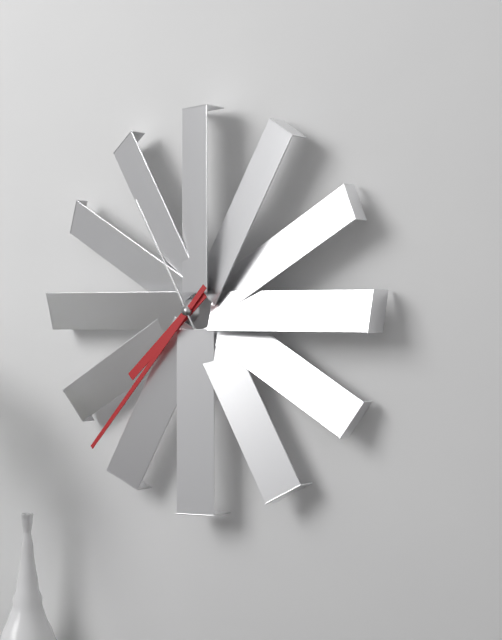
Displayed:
7,37,55
